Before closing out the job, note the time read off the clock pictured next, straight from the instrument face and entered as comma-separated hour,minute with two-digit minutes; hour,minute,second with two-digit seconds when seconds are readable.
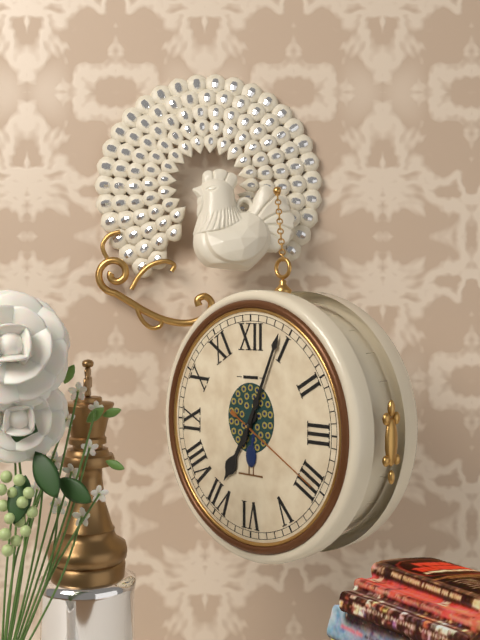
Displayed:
7,04,20
